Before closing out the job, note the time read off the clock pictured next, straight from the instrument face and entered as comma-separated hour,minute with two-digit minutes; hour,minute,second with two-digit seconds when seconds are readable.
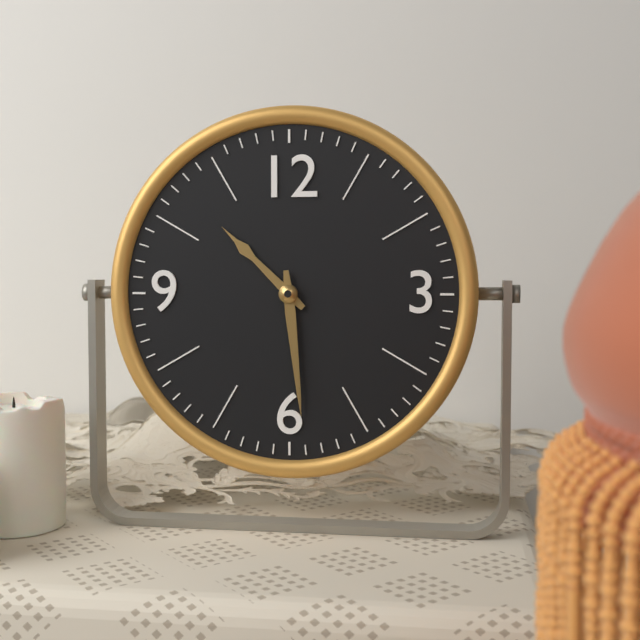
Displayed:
10,29
